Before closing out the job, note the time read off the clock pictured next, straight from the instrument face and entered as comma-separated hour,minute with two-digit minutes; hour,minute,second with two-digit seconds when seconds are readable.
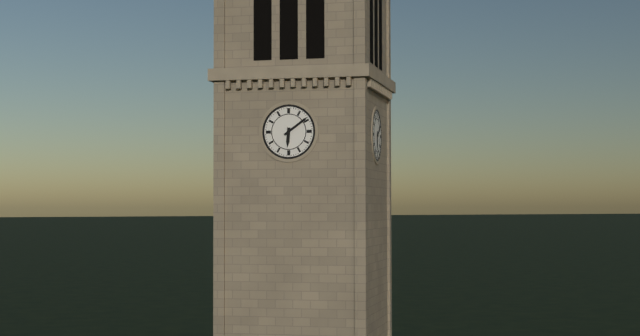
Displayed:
6,09
